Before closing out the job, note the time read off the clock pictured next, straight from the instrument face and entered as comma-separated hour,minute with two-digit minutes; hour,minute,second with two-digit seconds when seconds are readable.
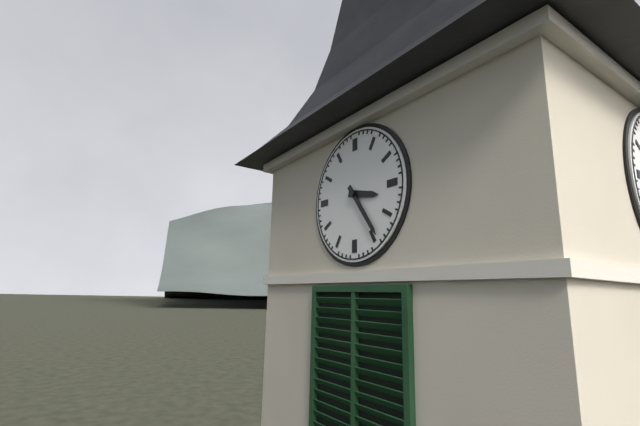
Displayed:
3,24
